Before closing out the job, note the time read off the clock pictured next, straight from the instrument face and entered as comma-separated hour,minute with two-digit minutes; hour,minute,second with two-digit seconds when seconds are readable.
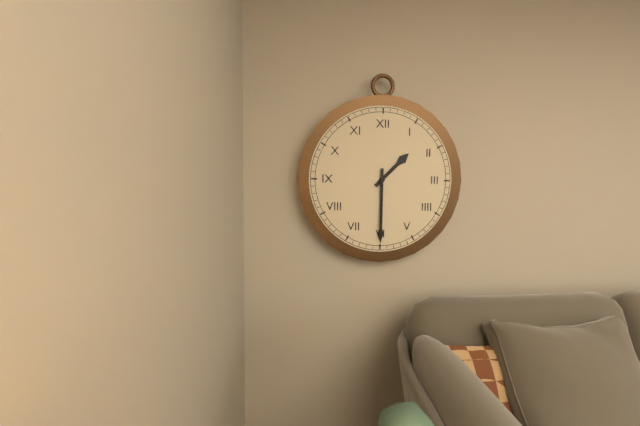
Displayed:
1,30
